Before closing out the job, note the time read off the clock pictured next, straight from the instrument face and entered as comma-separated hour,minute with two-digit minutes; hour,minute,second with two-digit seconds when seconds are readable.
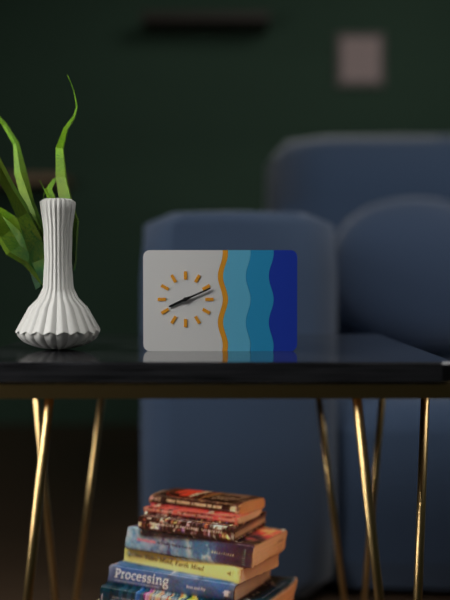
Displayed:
8,11
